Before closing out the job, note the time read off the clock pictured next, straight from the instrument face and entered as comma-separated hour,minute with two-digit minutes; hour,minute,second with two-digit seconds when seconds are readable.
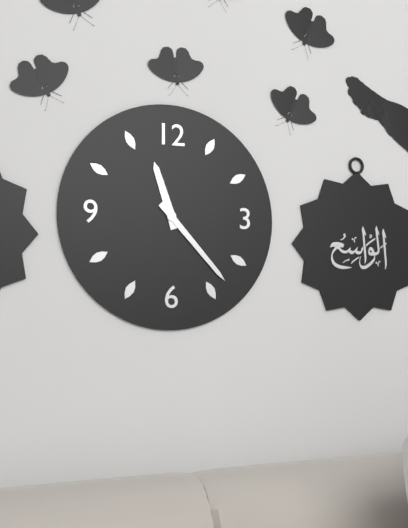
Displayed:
11,23
